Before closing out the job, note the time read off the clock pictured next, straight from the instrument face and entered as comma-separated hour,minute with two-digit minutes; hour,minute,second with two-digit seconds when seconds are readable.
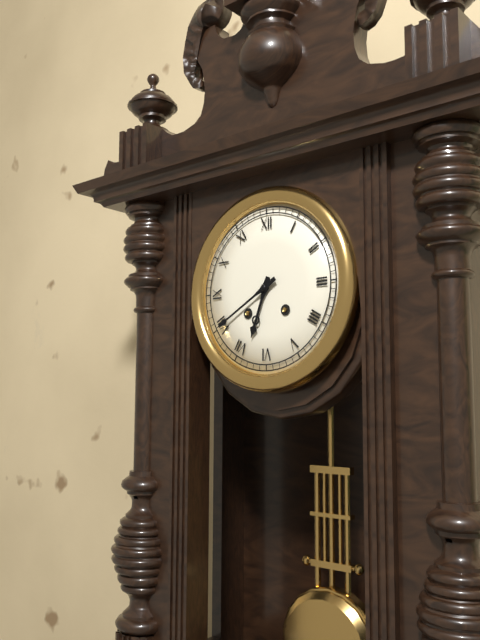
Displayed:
6,40
